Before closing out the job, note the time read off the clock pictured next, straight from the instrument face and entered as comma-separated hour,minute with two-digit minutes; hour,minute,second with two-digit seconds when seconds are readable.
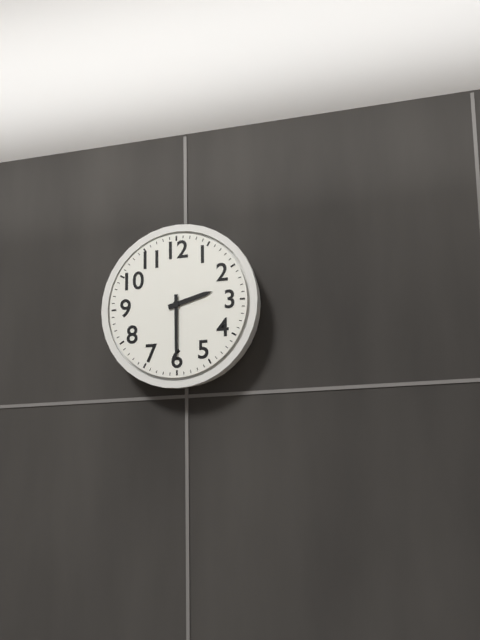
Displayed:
2,30
